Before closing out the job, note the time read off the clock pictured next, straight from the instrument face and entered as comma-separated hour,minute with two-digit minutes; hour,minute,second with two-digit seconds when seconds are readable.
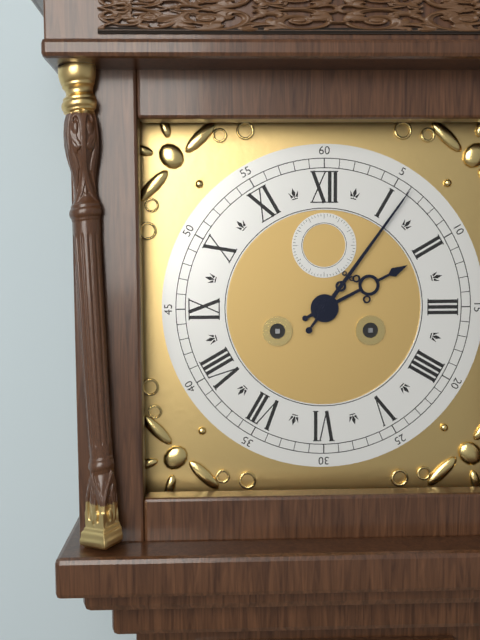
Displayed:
2,06
